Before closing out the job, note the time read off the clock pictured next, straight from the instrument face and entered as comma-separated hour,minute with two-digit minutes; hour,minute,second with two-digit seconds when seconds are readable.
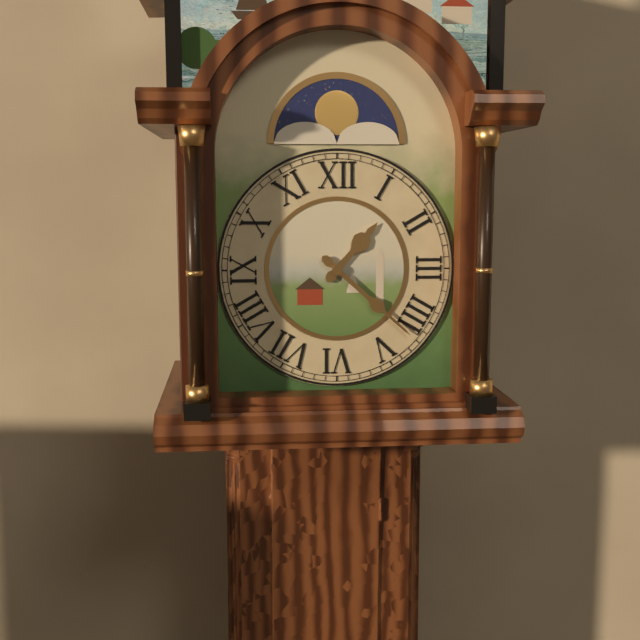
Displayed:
1,22
